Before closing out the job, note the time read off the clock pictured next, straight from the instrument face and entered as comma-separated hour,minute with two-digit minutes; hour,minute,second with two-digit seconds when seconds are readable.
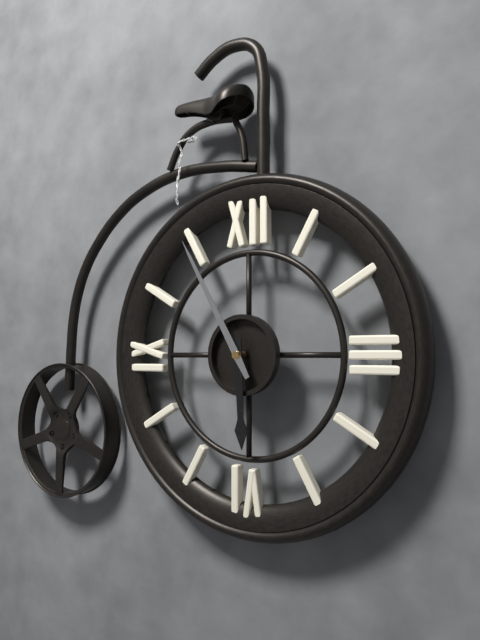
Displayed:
5,55
